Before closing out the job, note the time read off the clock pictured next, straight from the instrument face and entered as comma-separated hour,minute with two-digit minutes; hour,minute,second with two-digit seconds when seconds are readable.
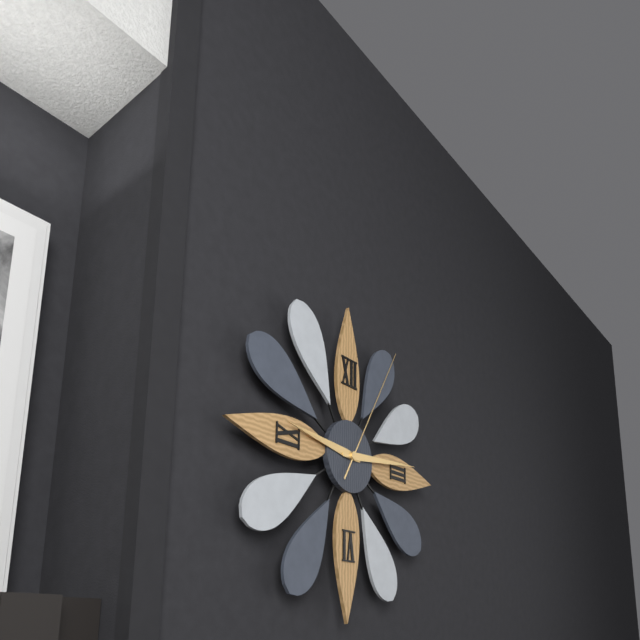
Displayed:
9,14,05
